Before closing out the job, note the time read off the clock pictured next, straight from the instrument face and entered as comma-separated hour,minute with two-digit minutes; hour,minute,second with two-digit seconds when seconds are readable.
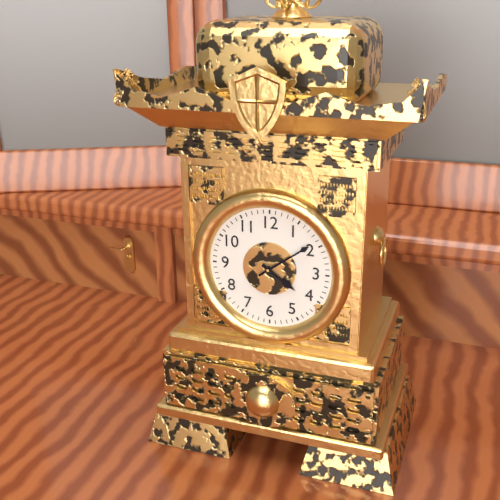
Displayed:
4,09
